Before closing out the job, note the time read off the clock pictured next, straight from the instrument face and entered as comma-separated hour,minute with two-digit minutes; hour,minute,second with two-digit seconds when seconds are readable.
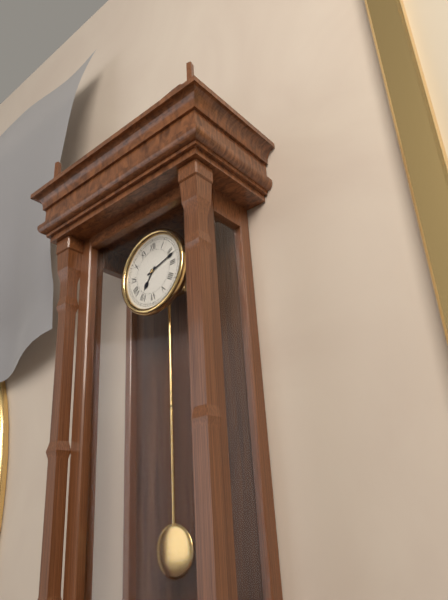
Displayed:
7,12
